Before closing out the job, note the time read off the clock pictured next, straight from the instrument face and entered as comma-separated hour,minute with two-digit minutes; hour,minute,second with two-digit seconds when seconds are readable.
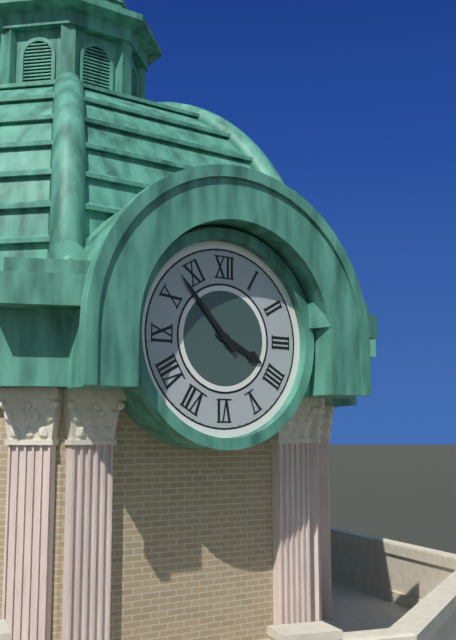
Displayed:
3,53
